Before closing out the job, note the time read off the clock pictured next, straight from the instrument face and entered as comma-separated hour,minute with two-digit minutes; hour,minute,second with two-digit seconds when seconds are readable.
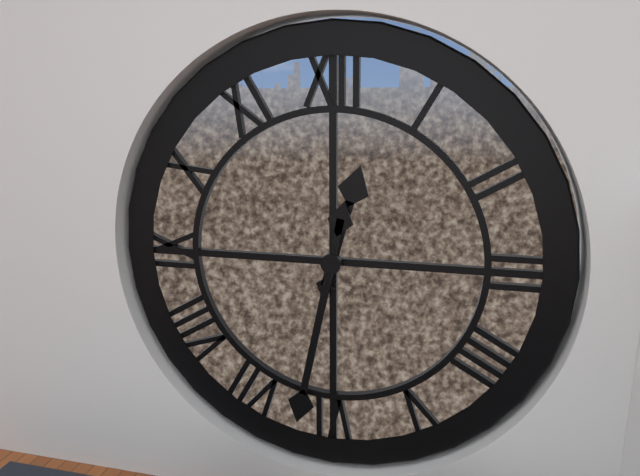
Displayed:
12,32
